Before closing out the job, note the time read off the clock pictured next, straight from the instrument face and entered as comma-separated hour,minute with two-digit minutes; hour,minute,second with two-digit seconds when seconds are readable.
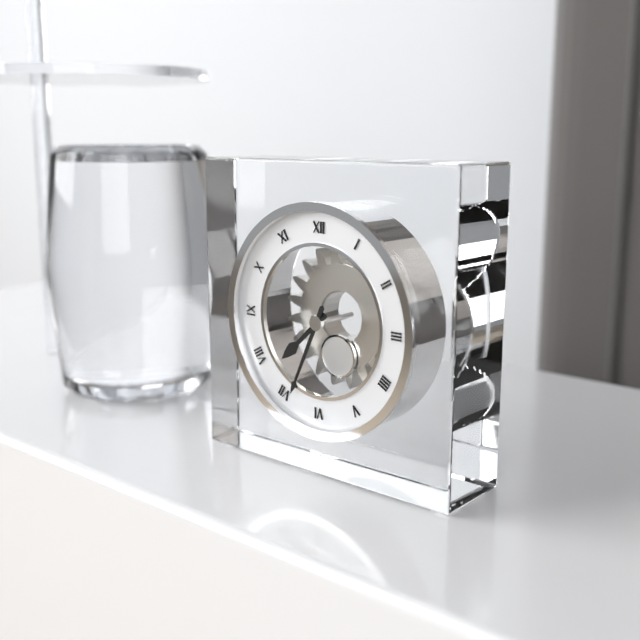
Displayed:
7,34
